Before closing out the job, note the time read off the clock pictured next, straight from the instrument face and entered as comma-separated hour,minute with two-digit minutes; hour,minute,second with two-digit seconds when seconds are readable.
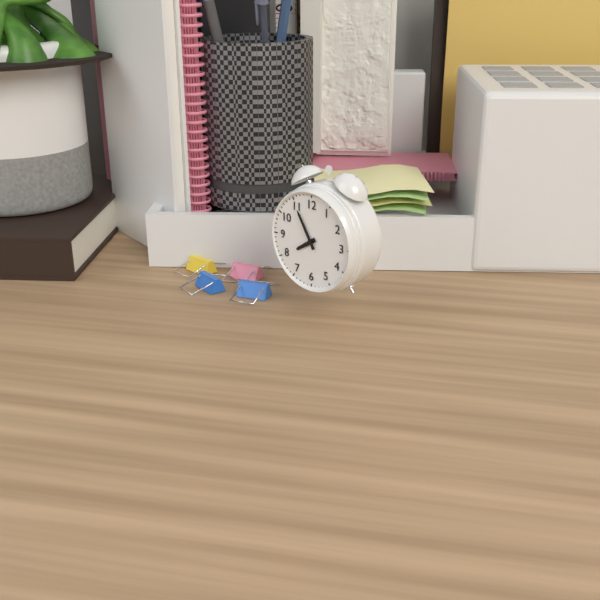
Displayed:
7,55
